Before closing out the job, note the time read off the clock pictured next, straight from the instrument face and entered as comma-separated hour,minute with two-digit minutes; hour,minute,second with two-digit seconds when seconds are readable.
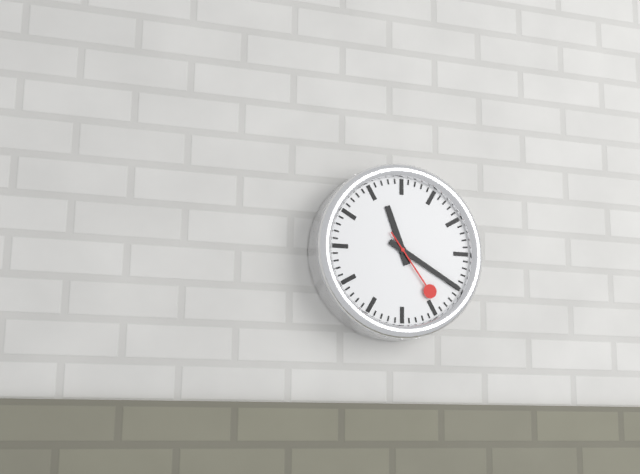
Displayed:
11,20,24
